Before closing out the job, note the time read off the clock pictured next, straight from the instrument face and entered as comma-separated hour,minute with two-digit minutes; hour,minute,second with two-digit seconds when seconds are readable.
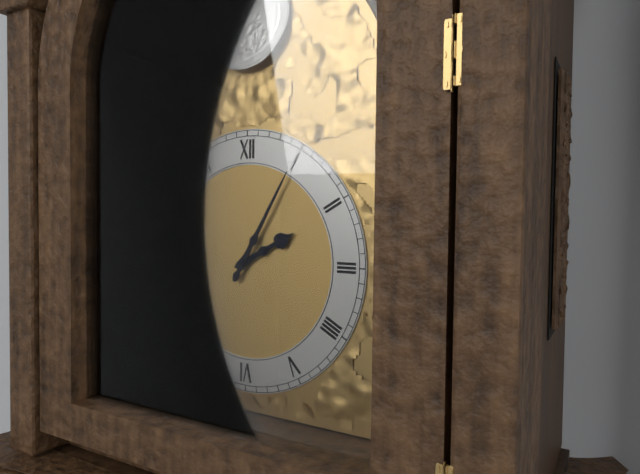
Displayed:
2,05
